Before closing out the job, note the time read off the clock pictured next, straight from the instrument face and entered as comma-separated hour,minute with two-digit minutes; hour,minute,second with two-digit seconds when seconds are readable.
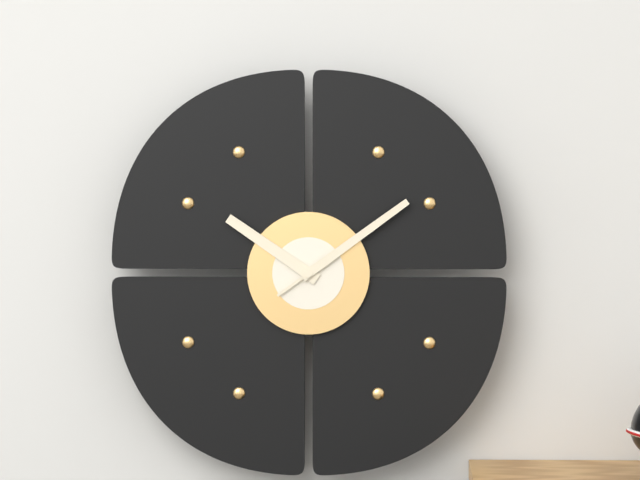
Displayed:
10,09
